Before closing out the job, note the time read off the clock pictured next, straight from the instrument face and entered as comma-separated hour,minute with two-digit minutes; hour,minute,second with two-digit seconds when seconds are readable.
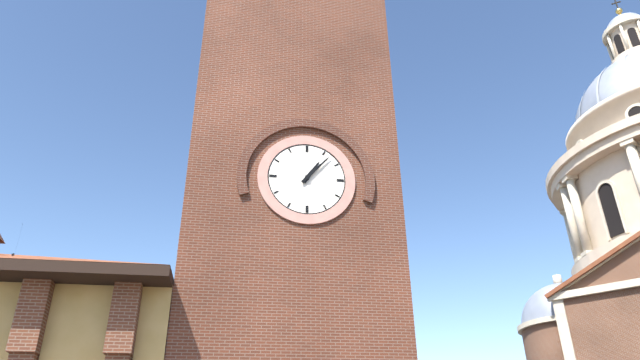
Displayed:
1,07
